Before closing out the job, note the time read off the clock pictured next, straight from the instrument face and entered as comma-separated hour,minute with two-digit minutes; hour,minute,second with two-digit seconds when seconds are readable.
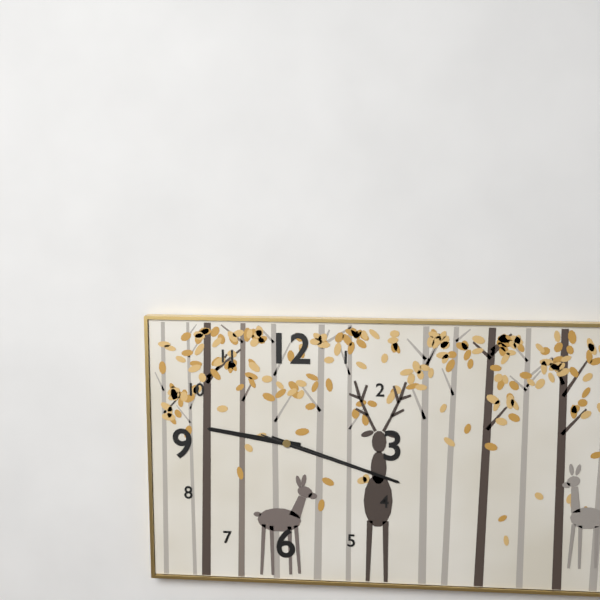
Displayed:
9,18,18
